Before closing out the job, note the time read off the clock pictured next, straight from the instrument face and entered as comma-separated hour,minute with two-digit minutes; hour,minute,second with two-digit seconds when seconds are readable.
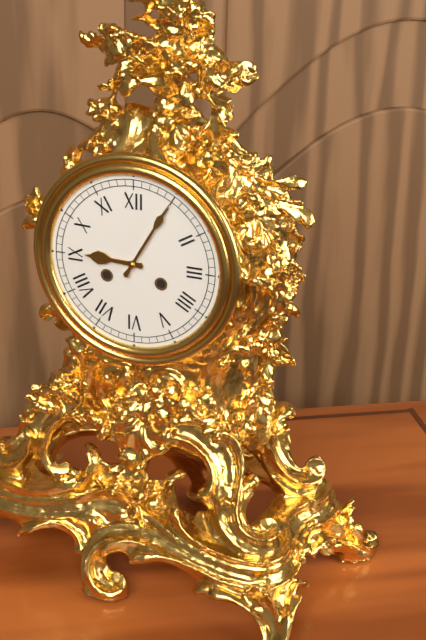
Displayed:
9,05
